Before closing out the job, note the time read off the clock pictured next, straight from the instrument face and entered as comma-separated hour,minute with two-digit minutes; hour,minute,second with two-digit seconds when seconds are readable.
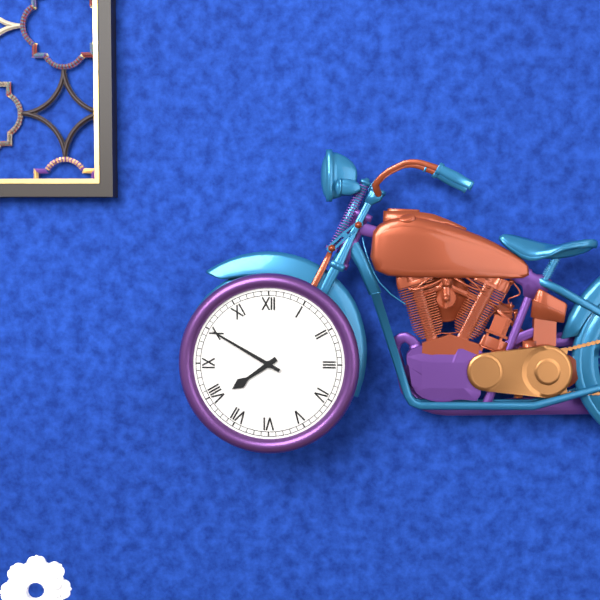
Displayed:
7,50
